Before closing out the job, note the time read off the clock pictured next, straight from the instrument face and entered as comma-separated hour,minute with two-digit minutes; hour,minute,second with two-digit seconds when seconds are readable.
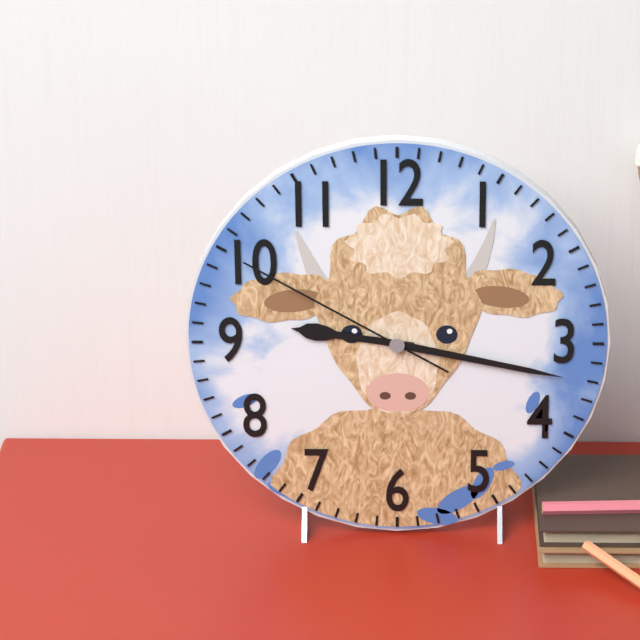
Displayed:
9,17,50
